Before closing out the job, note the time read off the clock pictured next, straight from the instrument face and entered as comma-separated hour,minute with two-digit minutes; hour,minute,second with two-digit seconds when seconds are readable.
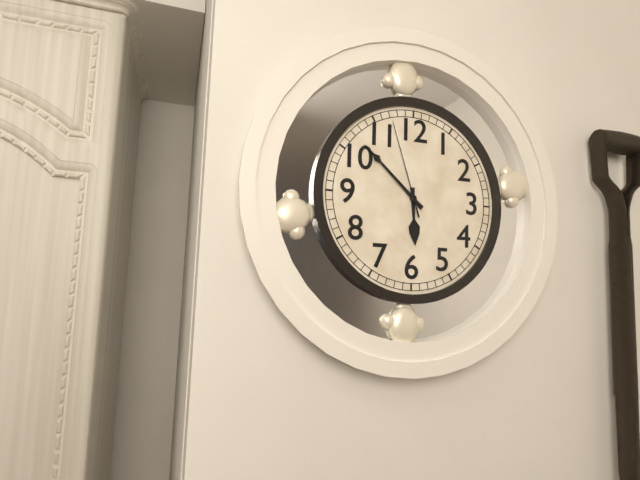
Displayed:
5,52,57
